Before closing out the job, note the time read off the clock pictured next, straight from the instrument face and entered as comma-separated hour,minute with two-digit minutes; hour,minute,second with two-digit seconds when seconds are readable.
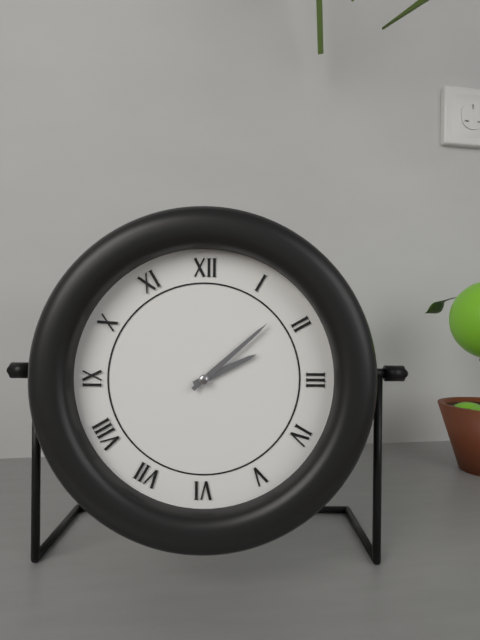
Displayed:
2,08
